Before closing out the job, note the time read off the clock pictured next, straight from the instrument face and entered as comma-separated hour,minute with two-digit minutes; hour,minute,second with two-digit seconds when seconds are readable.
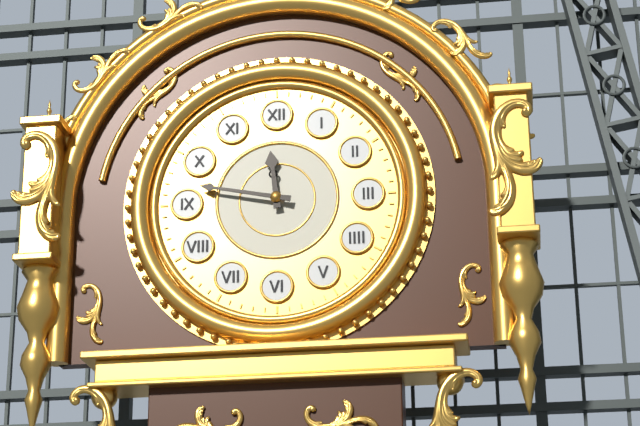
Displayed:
11,47
